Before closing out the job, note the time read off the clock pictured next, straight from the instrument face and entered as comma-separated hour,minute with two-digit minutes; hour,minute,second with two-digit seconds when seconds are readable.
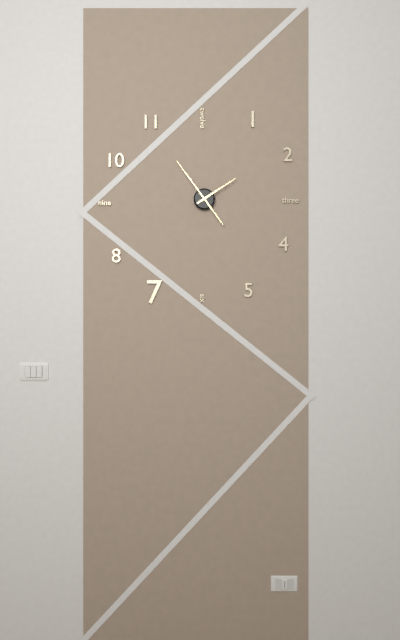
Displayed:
1,54
